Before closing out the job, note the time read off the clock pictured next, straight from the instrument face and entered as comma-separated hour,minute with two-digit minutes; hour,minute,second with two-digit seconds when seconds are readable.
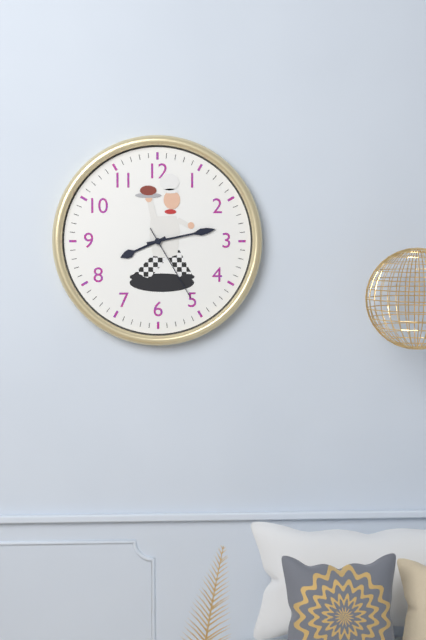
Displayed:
8,13,25
